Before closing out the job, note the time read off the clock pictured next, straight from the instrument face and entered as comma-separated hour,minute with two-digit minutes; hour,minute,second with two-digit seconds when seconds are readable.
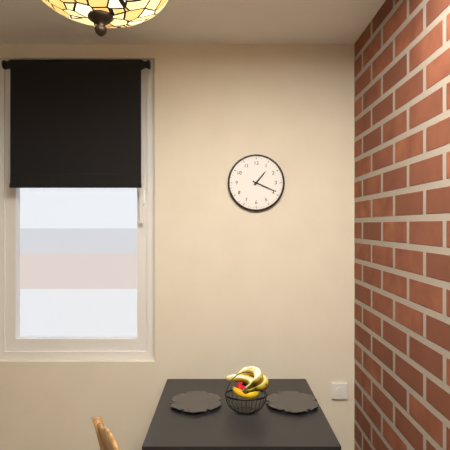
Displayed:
1,19
